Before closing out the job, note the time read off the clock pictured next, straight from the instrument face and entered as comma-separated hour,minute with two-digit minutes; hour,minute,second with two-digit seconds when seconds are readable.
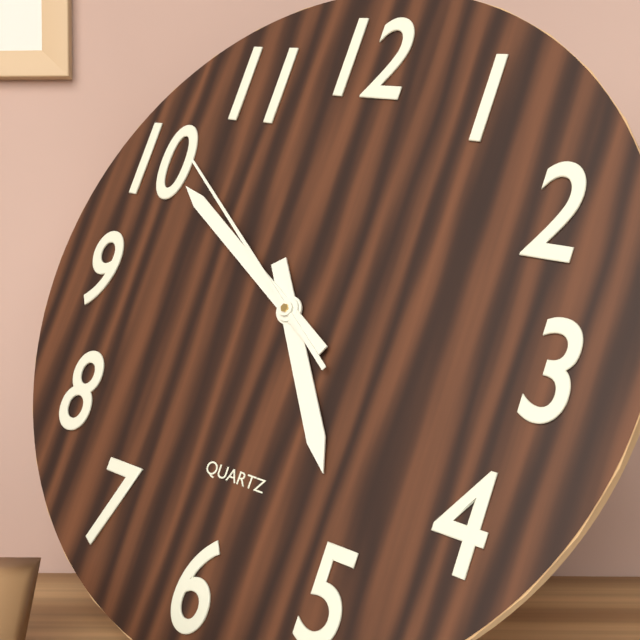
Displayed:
4,50,51
